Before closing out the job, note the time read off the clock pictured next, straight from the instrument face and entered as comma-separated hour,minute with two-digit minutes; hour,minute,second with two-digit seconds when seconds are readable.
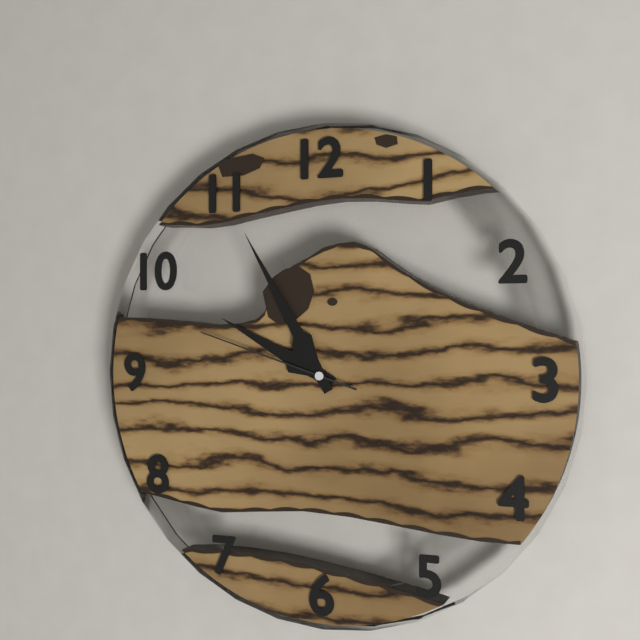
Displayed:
9,55,48
